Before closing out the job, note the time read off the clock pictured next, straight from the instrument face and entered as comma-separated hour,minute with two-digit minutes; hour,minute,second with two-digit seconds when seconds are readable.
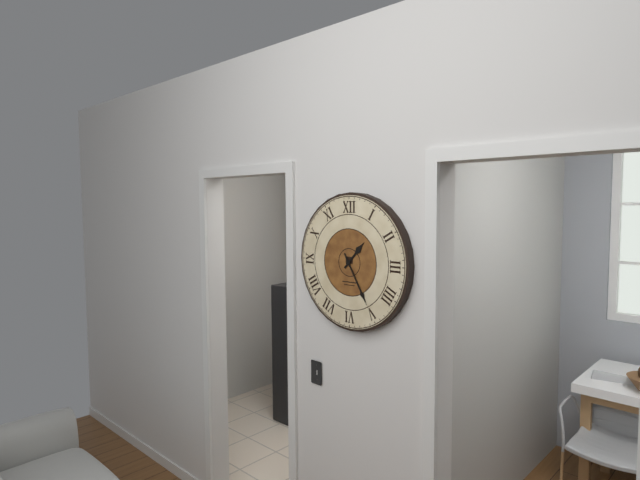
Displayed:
1,25
